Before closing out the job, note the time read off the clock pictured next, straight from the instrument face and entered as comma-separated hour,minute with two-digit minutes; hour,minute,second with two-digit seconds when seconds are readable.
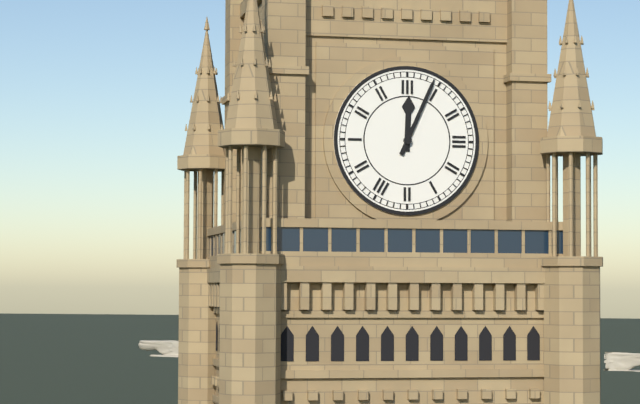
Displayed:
12,04
